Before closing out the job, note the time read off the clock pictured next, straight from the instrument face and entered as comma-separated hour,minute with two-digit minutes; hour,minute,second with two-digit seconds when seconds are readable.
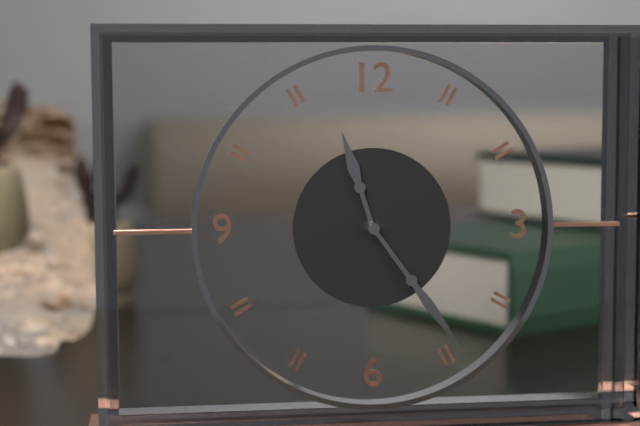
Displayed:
11,24
